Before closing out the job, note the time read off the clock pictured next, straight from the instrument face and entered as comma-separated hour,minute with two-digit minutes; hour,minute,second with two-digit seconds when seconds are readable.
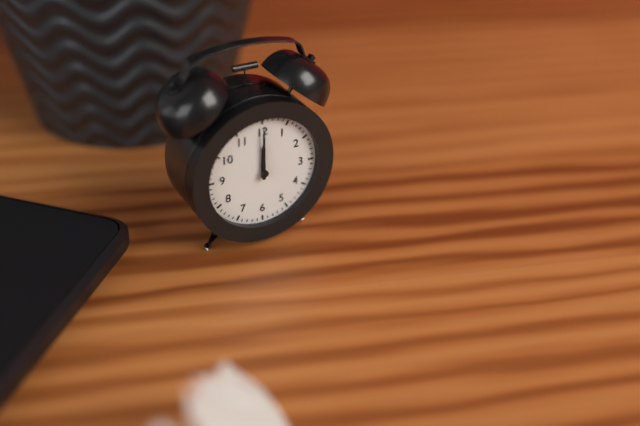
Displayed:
12,00
